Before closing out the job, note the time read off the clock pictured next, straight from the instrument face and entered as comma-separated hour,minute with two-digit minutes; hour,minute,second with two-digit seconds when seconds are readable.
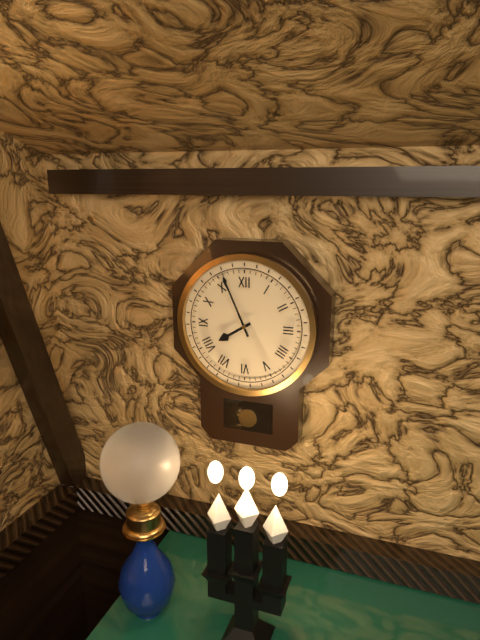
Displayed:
7,56
